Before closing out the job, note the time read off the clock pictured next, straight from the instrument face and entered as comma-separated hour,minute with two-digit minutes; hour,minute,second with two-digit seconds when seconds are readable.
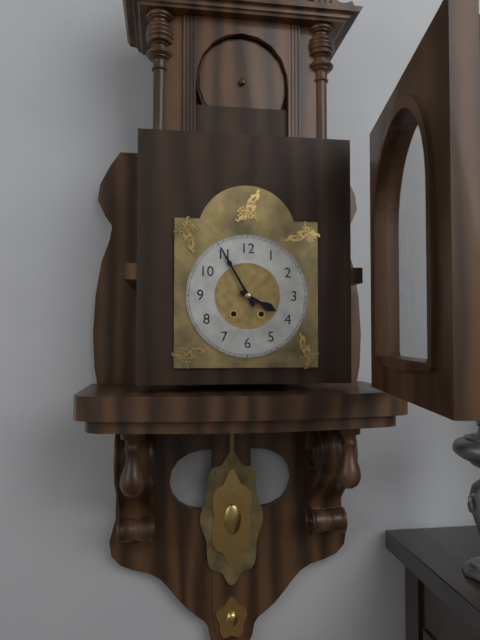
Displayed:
3,55
